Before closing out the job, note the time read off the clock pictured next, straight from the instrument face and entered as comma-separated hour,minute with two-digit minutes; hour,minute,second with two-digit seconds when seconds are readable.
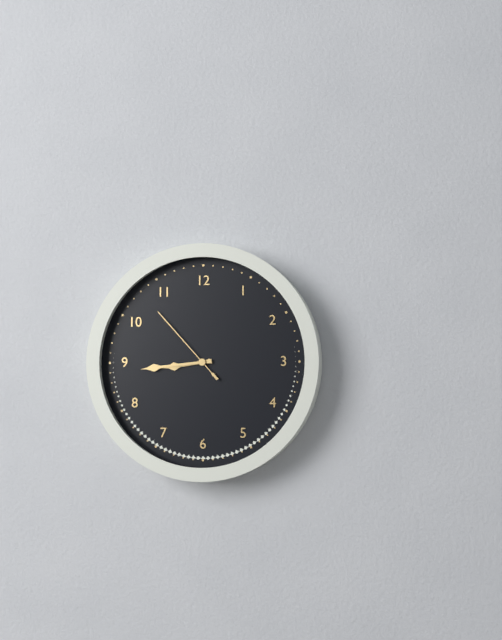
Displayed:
8,44,53
